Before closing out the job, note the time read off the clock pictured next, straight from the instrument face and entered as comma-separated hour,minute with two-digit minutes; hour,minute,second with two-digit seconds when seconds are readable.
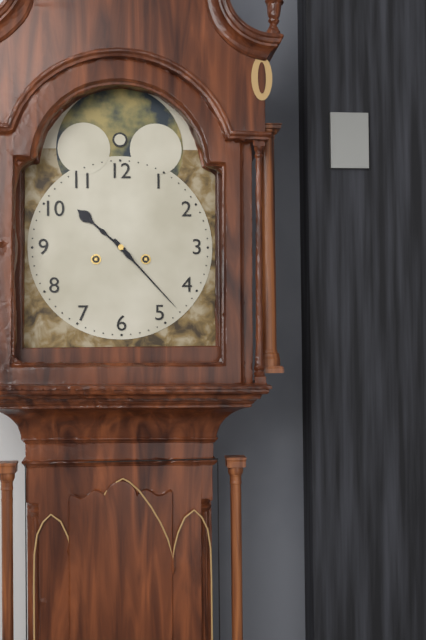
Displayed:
10,23
